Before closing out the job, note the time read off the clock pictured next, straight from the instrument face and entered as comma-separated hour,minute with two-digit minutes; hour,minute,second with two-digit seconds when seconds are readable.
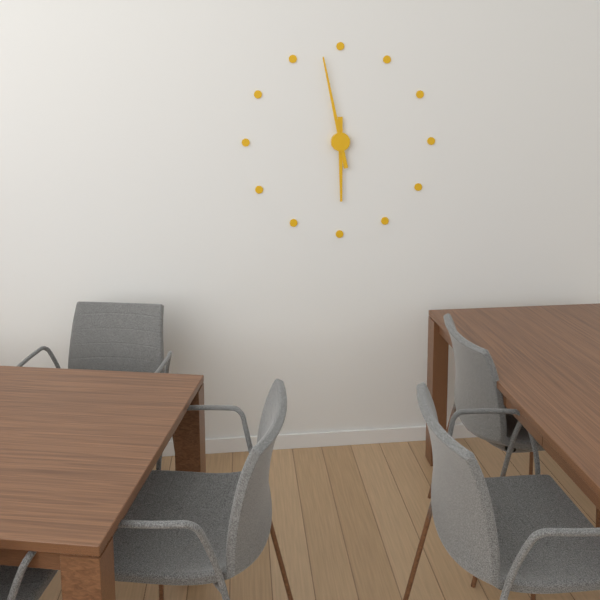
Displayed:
5,58
